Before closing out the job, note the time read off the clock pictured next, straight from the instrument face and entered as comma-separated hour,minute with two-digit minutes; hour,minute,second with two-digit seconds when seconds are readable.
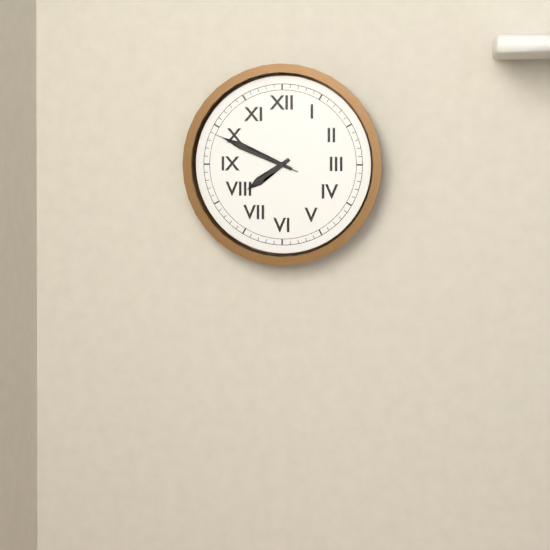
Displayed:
7,49,49
